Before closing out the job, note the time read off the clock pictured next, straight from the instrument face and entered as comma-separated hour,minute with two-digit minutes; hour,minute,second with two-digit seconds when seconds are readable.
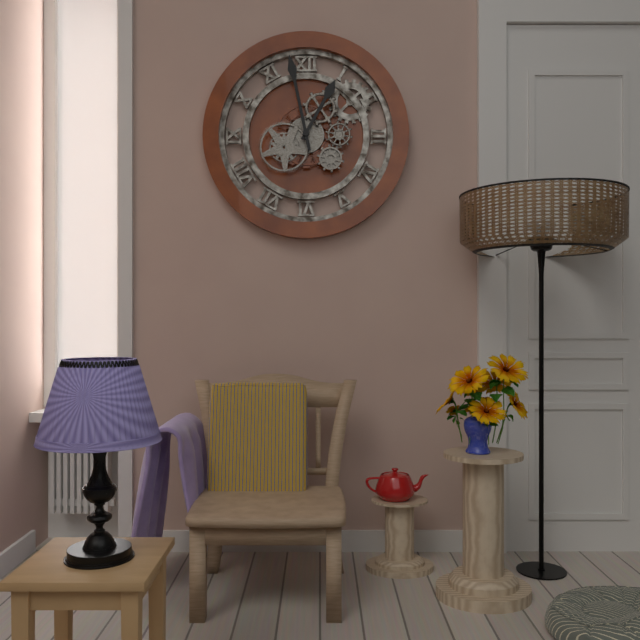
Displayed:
12,58
